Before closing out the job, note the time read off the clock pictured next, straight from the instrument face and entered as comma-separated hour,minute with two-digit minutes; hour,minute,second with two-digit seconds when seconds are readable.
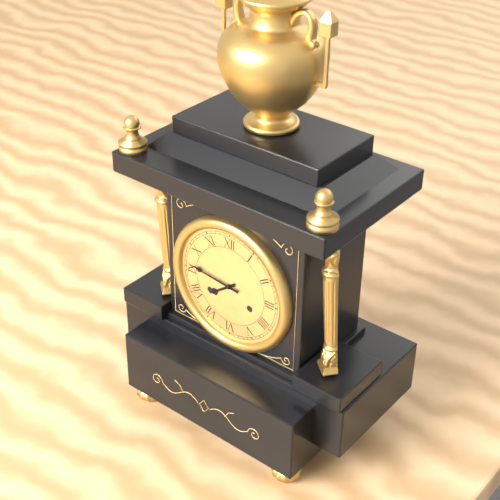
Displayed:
7,46
